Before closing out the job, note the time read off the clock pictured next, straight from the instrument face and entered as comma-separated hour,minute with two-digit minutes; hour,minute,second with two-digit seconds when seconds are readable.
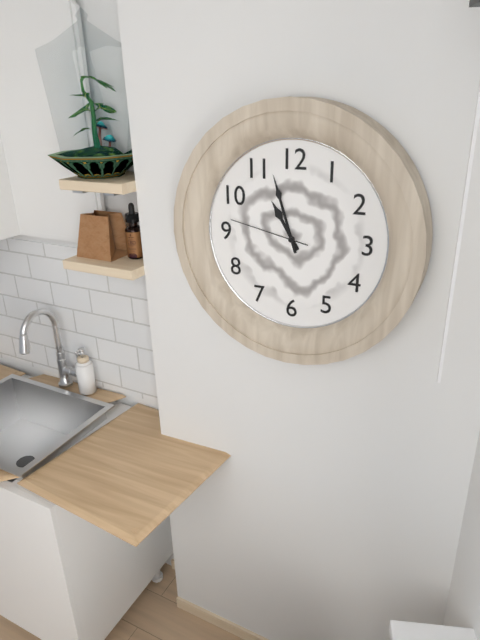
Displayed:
10,57,47
